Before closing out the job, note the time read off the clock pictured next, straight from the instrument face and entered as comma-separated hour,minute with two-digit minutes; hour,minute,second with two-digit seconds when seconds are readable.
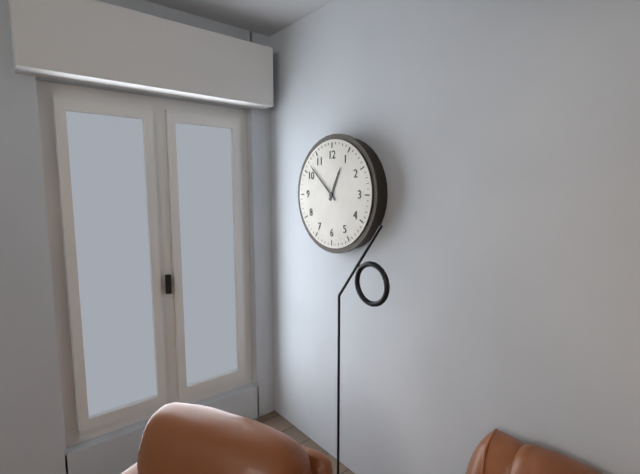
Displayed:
12,52
